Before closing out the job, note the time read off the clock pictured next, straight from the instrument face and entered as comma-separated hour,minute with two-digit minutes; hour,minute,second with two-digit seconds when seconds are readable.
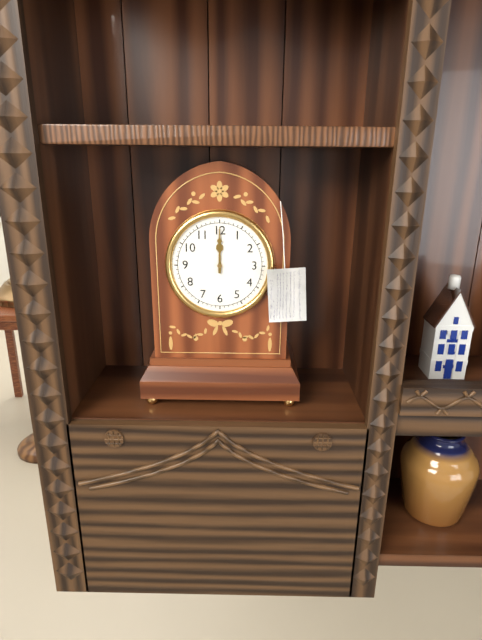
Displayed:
12,00
